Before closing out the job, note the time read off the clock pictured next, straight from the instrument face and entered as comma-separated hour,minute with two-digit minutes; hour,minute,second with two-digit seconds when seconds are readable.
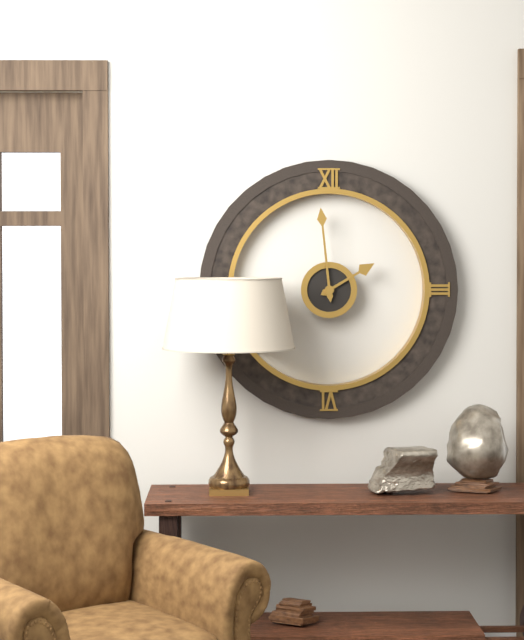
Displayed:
1,59
